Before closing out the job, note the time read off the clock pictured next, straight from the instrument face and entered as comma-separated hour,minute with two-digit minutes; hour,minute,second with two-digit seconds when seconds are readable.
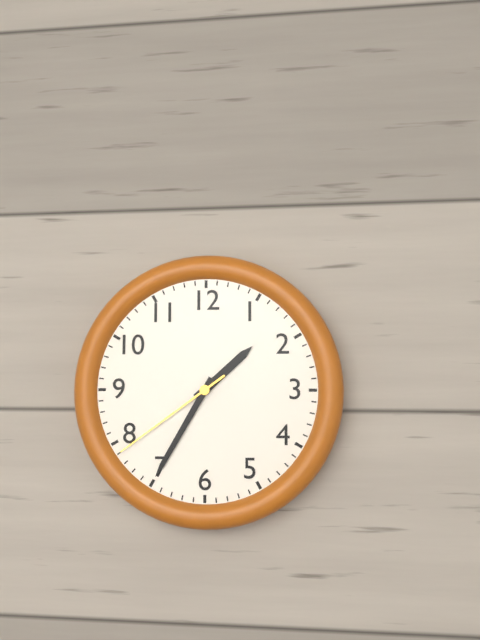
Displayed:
1,35,39
